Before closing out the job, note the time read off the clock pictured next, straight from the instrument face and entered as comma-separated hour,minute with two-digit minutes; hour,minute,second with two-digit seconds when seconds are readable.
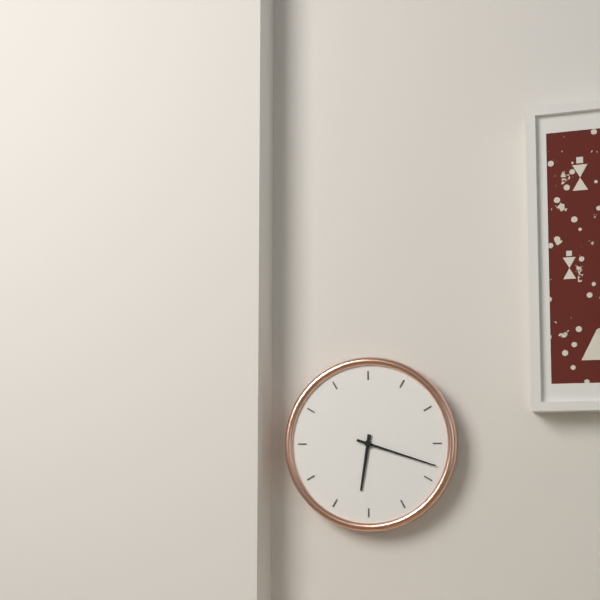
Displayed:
6,18
